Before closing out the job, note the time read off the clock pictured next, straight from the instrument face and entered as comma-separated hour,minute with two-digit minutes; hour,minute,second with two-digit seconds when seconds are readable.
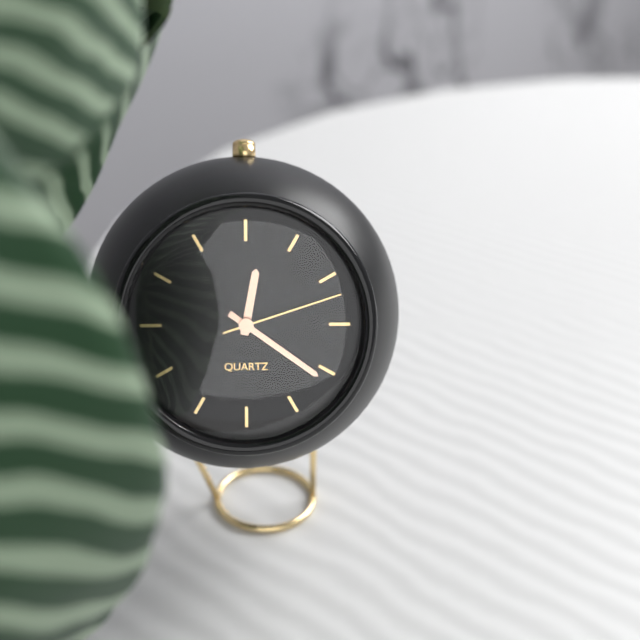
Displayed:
12,21,12
